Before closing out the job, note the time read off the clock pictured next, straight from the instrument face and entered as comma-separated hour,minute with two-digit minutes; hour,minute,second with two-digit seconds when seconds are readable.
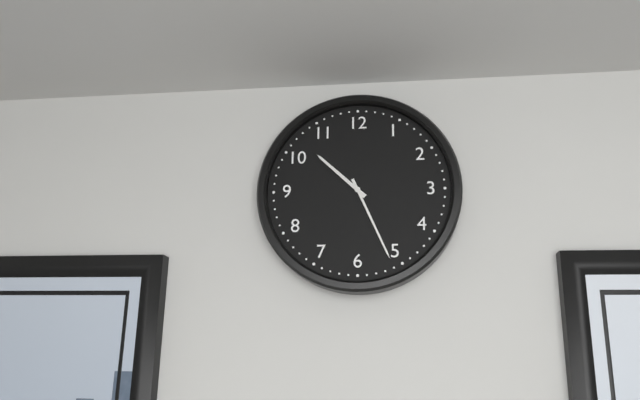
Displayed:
10,26
